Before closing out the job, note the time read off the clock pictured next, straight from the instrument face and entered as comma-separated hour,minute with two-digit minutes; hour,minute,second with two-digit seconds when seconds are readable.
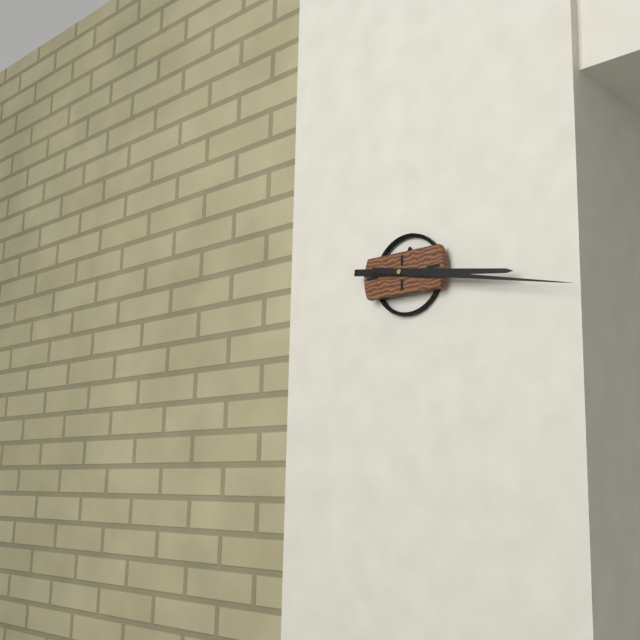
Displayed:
3,17
